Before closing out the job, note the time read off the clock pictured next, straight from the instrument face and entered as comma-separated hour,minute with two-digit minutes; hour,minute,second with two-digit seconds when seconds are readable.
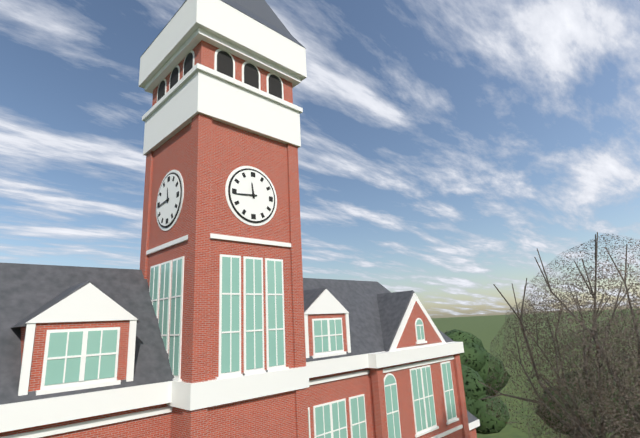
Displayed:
11,44
